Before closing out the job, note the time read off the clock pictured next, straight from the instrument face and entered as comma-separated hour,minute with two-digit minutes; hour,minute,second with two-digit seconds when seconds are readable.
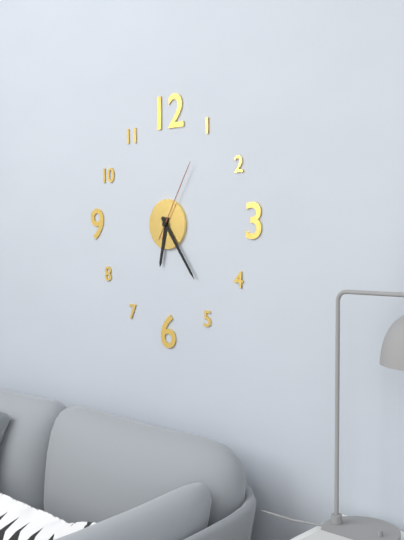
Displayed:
6,24,05
